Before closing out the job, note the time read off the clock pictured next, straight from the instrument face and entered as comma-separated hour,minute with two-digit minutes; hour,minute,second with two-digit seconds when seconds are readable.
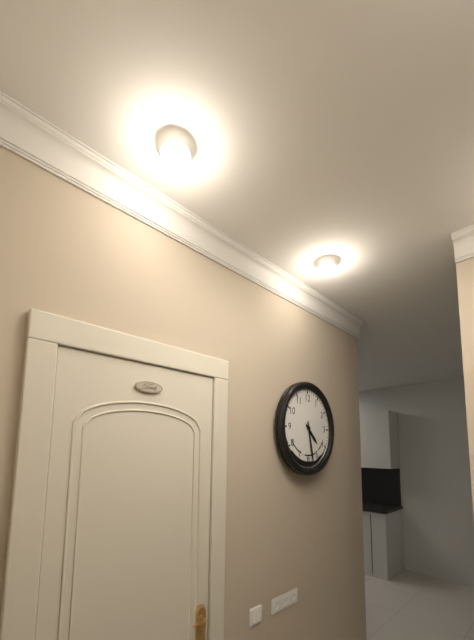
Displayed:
4,28
